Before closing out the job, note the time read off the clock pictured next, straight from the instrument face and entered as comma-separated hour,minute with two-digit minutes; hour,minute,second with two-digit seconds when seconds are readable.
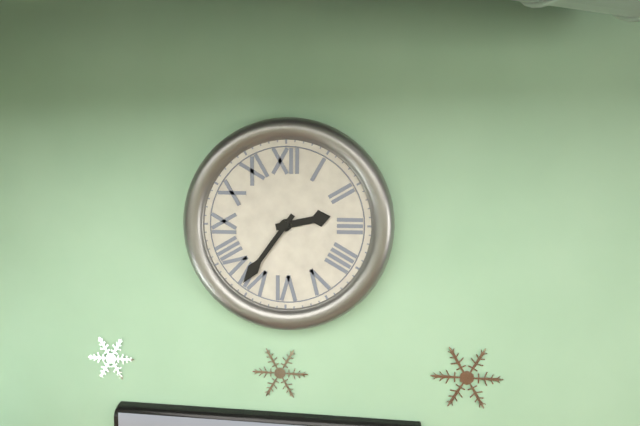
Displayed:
2,36
